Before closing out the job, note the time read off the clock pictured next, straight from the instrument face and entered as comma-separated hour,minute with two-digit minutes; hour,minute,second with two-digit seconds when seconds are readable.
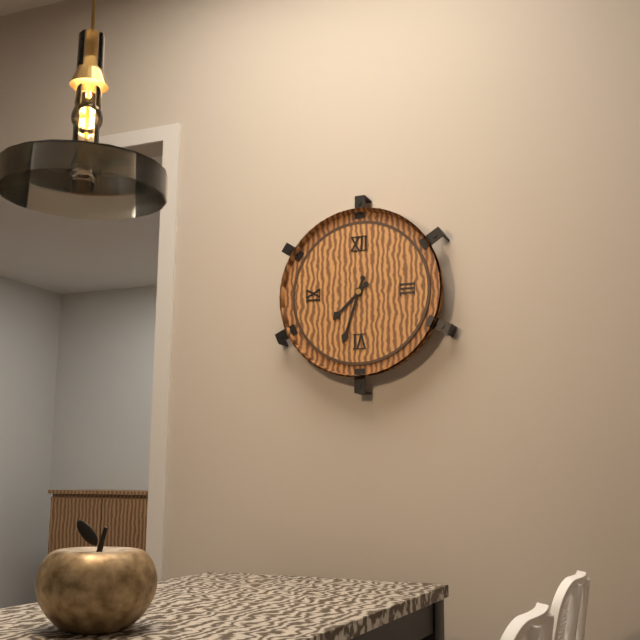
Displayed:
7,33
